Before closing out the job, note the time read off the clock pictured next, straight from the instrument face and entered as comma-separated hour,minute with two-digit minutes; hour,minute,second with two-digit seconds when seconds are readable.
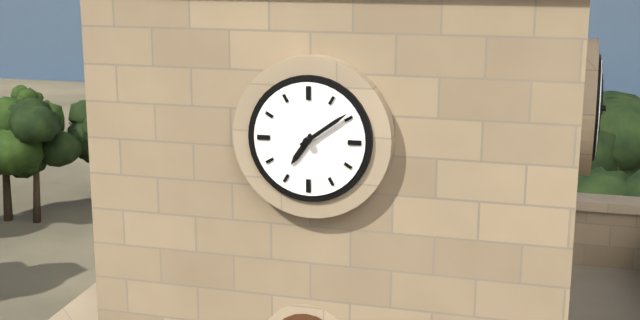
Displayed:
7,09
